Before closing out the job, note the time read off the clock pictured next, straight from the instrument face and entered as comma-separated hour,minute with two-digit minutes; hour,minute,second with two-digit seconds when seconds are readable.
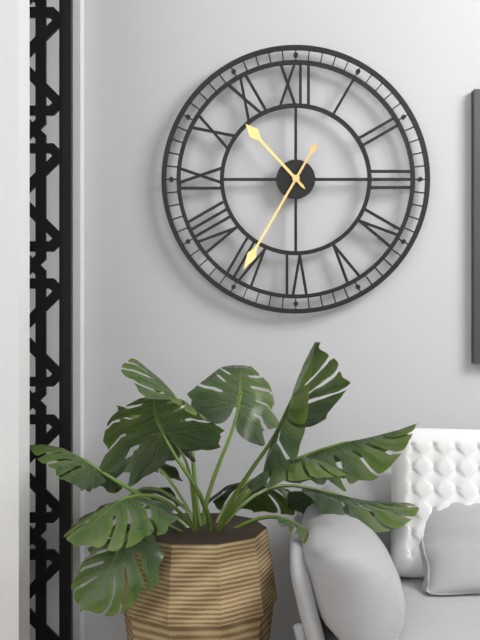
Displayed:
10,35
